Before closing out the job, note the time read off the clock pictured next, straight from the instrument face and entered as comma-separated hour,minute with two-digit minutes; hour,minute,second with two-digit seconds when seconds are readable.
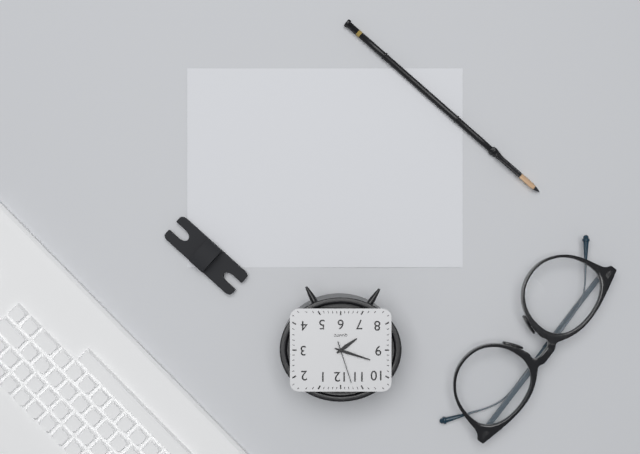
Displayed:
7,48
